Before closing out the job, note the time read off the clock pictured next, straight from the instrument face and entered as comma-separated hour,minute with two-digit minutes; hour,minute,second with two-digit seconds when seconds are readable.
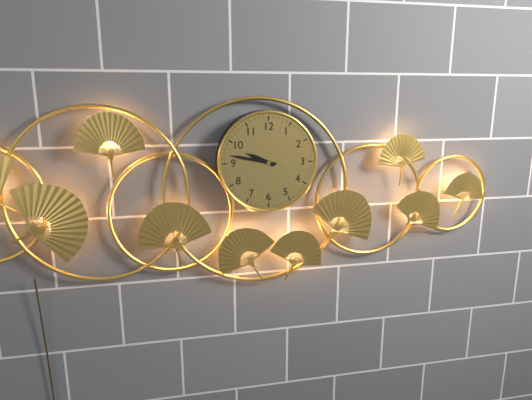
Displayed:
9,47
